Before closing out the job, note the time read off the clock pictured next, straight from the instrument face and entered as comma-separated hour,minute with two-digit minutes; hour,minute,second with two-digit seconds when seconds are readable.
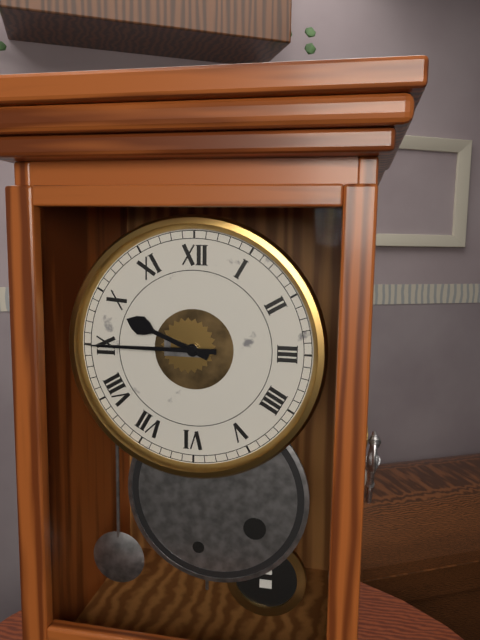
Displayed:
9,45
